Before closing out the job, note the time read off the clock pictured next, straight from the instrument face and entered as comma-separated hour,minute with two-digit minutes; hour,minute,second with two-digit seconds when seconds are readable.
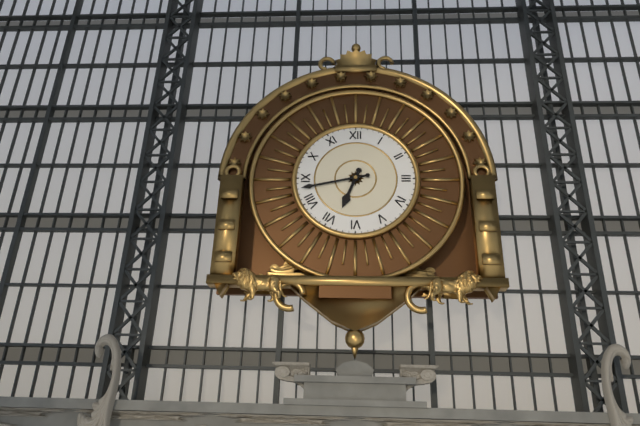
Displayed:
6,43
